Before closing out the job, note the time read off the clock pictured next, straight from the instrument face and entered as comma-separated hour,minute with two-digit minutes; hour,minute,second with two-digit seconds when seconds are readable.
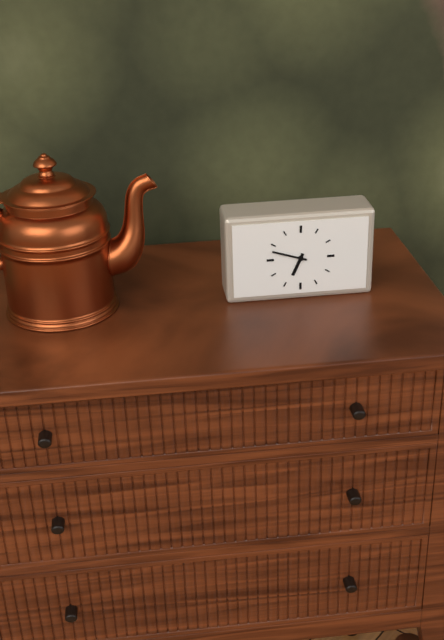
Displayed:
6,48
